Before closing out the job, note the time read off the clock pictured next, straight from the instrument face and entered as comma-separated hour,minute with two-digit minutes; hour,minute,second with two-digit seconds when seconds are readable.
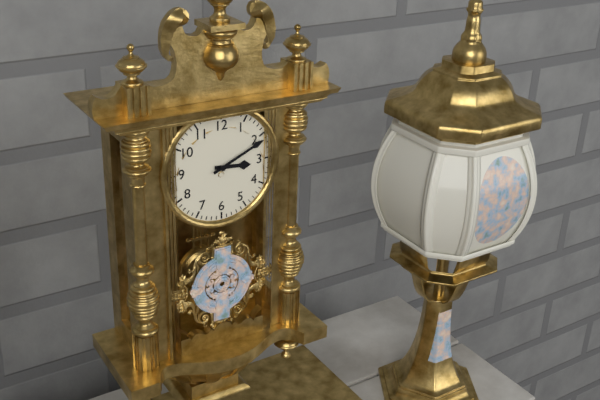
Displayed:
3,11
